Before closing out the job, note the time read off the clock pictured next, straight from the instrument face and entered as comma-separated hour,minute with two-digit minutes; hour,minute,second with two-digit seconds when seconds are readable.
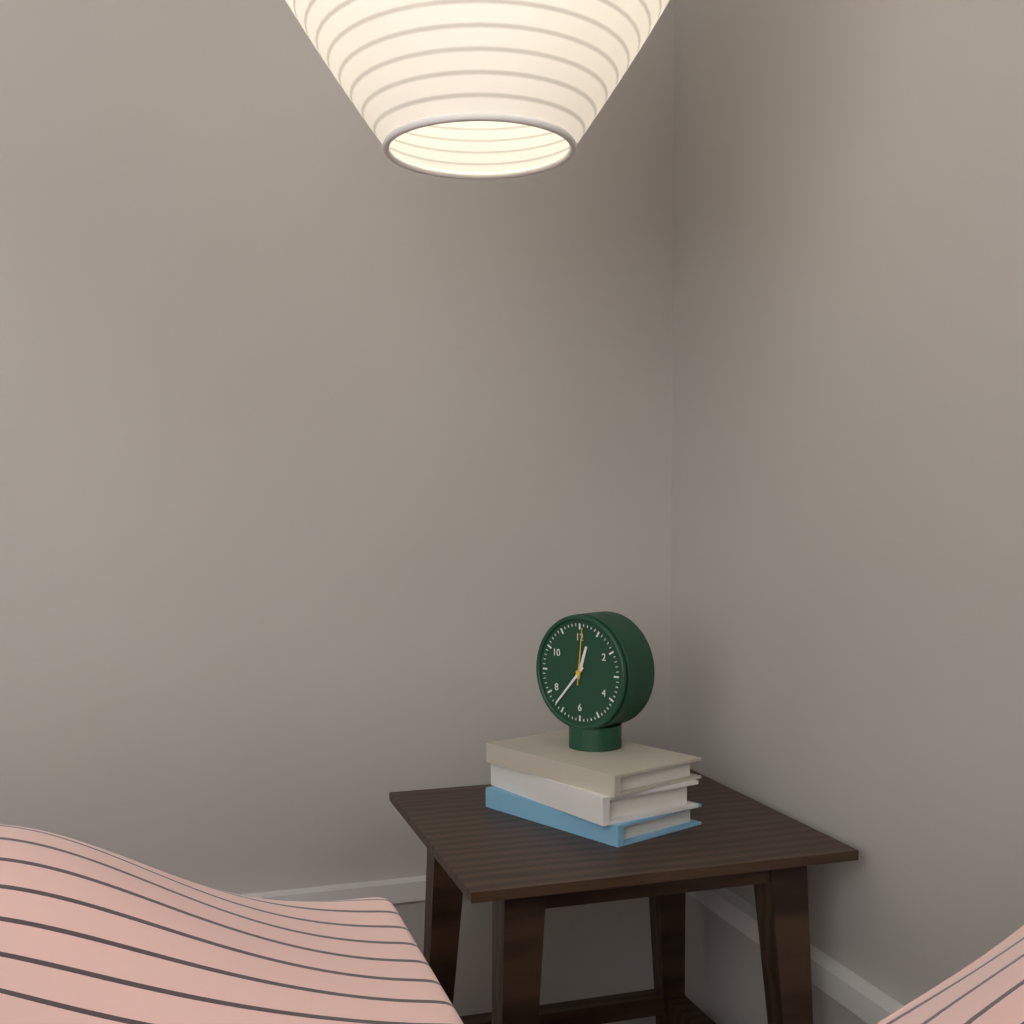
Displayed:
12,37,01
